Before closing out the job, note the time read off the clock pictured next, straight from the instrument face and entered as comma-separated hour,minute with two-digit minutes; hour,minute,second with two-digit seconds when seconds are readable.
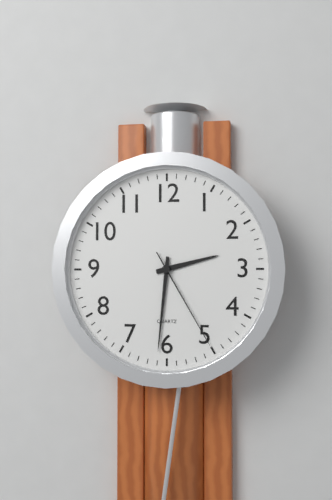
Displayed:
2,31,25
